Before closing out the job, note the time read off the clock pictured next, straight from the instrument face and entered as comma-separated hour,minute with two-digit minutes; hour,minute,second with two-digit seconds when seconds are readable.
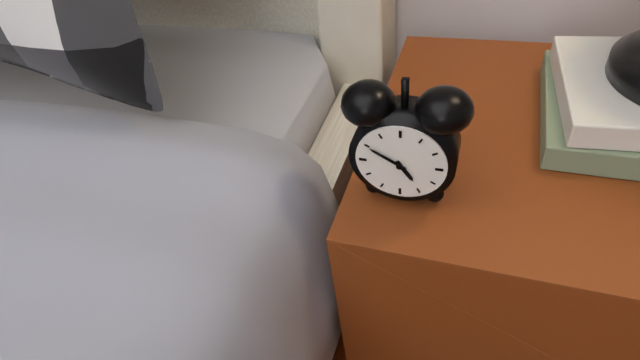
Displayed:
4,50
